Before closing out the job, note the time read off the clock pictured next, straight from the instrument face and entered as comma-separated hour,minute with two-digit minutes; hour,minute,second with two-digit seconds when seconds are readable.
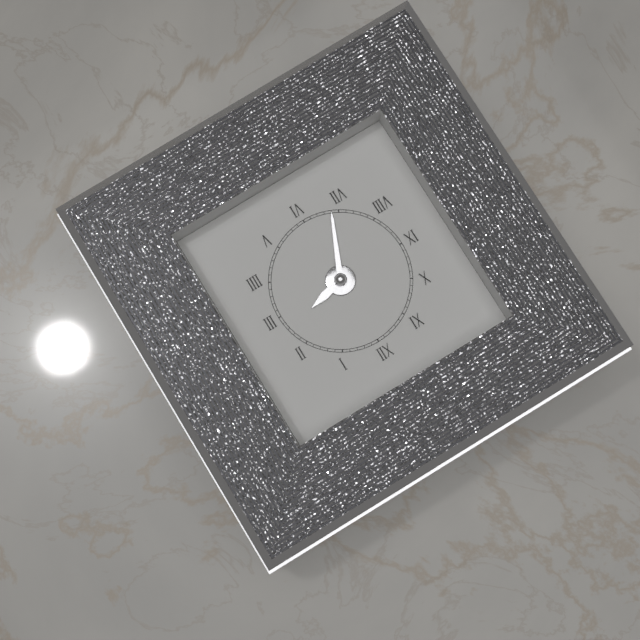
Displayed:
2,34
